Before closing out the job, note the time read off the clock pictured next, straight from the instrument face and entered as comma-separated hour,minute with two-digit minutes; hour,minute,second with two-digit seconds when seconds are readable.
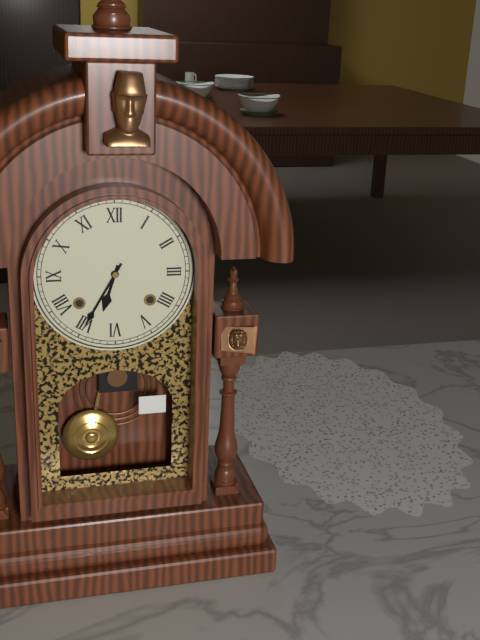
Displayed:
6,35
